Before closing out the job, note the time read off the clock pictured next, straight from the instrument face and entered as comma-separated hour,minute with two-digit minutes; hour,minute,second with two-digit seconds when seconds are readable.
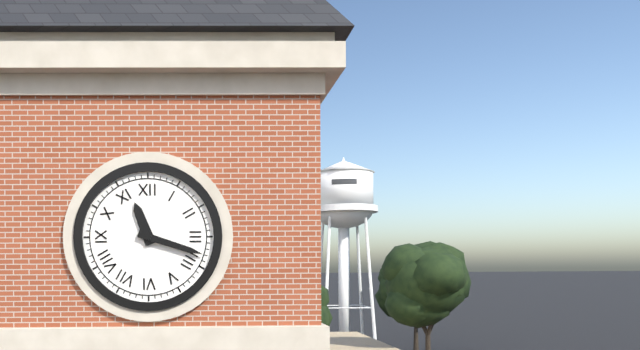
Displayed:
11,18
